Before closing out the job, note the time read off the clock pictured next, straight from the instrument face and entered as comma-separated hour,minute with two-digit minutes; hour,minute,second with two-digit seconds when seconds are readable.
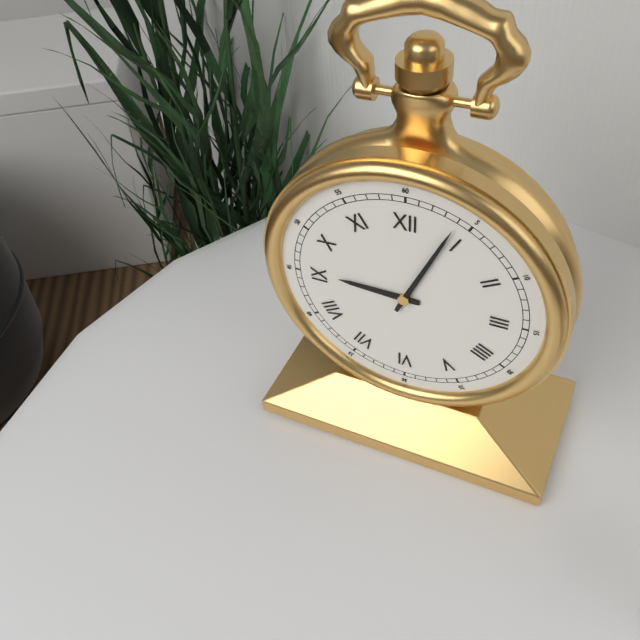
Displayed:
9,04
